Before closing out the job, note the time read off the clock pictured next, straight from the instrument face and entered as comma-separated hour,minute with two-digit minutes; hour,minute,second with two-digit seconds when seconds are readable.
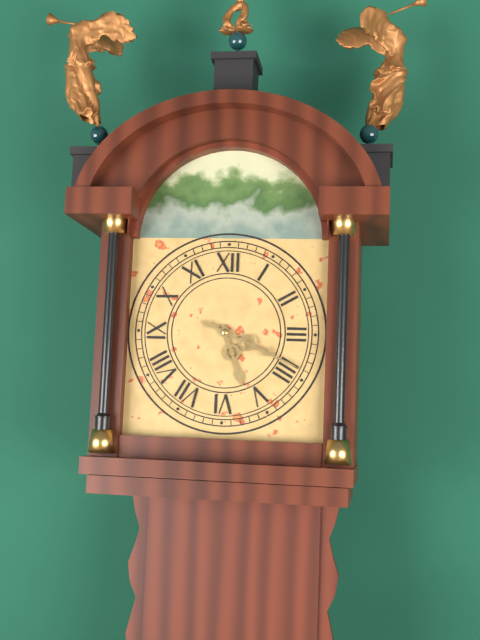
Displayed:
5,19
